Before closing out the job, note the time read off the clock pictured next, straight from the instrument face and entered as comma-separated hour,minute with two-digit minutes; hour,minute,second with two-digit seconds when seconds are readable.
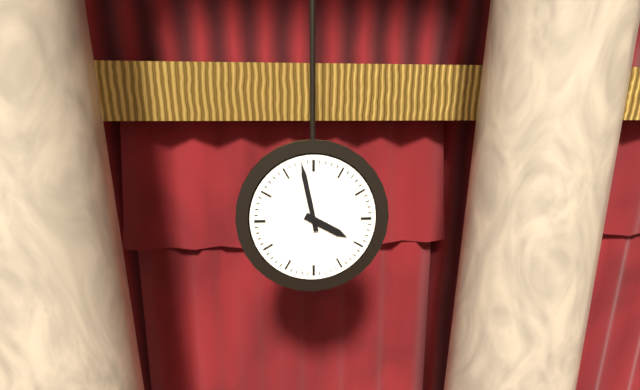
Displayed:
3,58
